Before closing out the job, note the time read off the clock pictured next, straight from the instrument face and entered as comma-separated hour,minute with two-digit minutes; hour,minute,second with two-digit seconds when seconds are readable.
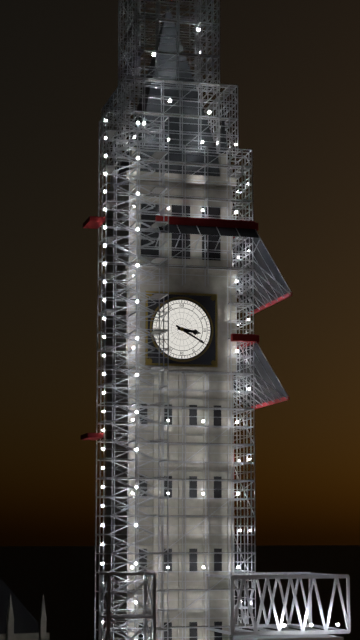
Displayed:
3,20
